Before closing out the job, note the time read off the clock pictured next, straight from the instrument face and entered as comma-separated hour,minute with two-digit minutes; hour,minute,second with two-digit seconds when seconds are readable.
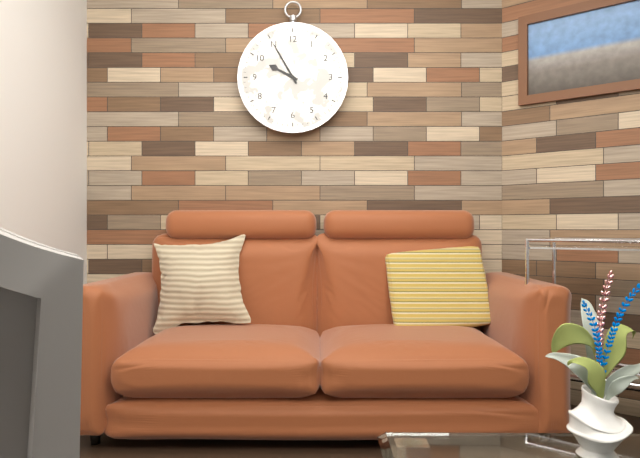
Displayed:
9,55
